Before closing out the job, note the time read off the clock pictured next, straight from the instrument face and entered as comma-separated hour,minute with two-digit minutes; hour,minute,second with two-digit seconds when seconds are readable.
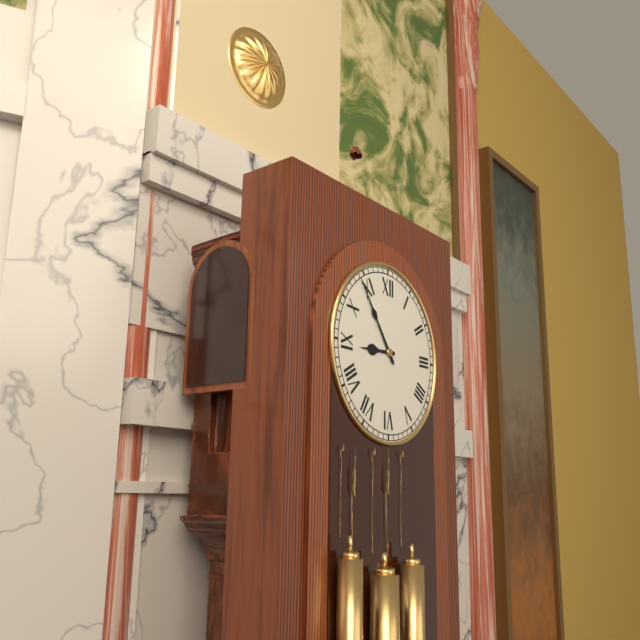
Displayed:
8,54
